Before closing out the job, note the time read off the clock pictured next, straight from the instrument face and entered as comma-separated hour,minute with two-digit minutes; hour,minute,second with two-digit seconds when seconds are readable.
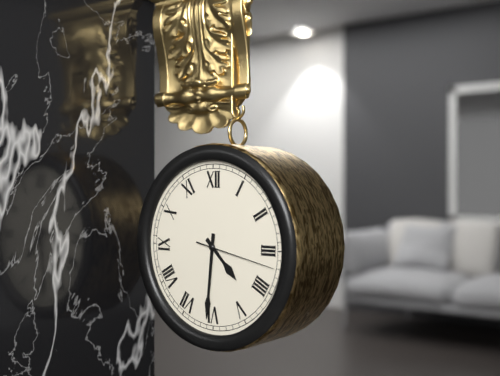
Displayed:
4,31,17
